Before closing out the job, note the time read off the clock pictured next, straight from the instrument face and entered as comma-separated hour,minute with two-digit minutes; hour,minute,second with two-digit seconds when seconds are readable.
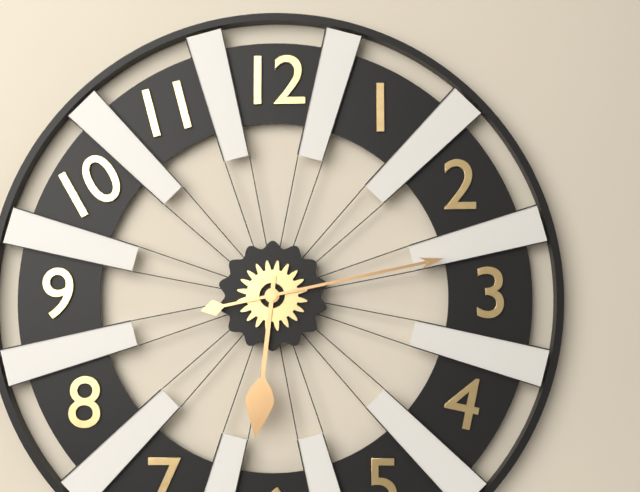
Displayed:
6,13
